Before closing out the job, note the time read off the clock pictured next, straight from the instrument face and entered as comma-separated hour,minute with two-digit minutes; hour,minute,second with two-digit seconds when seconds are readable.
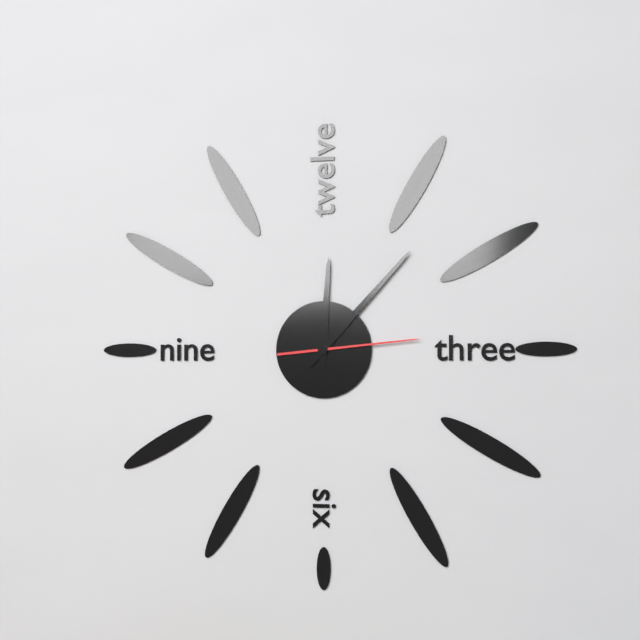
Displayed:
12,07,14
